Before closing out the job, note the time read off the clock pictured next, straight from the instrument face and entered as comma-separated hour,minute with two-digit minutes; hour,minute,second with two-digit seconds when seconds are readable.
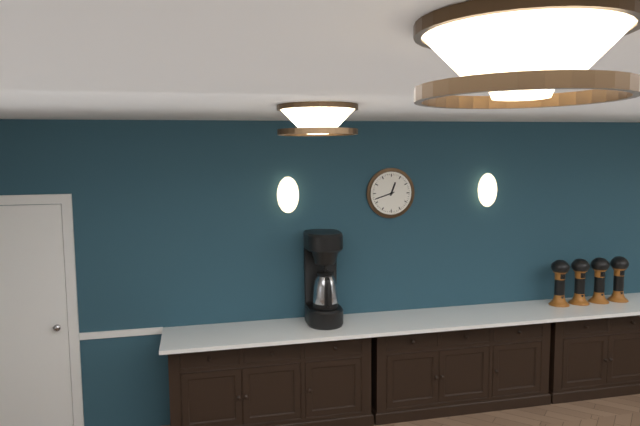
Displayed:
12,42
